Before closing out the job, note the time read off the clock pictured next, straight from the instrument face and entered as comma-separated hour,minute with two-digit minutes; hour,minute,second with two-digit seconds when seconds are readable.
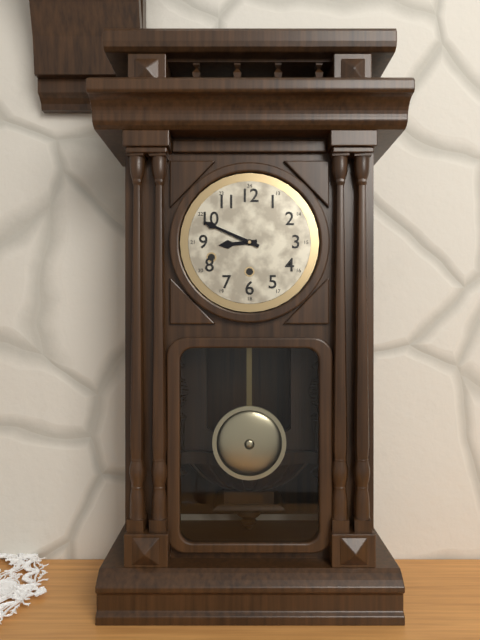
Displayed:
8,49
